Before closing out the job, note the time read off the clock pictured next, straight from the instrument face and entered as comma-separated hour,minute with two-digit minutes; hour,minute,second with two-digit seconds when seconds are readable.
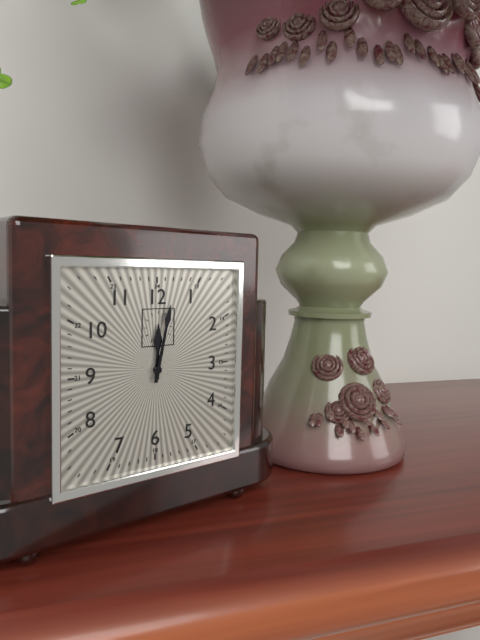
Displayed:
12,02
